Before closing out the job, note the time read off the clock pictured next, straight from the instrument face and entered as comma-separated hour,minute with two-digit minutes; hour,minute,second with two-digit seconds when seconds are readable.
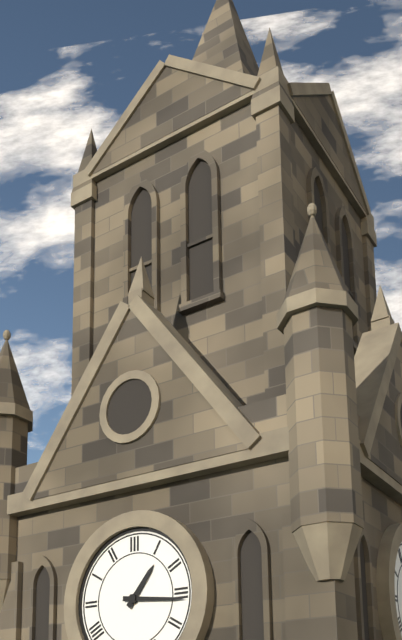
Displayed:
1,16
